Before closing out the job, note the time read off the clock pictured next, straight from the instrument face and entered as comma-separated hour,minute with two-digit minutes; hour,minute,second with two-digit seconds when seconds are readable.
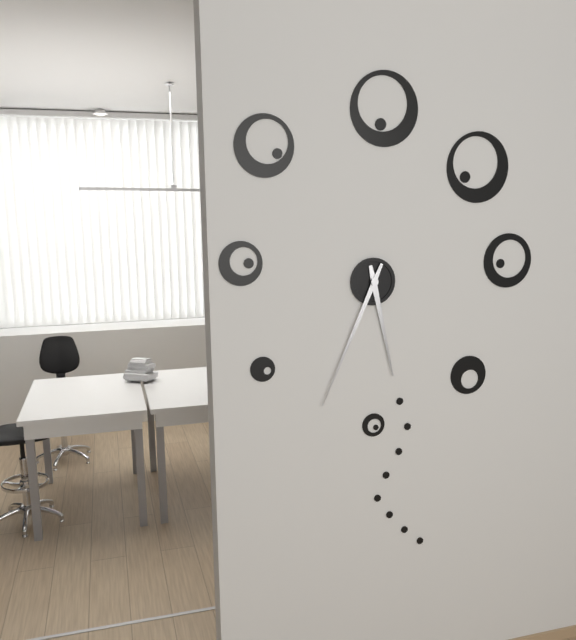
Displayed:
5,34
